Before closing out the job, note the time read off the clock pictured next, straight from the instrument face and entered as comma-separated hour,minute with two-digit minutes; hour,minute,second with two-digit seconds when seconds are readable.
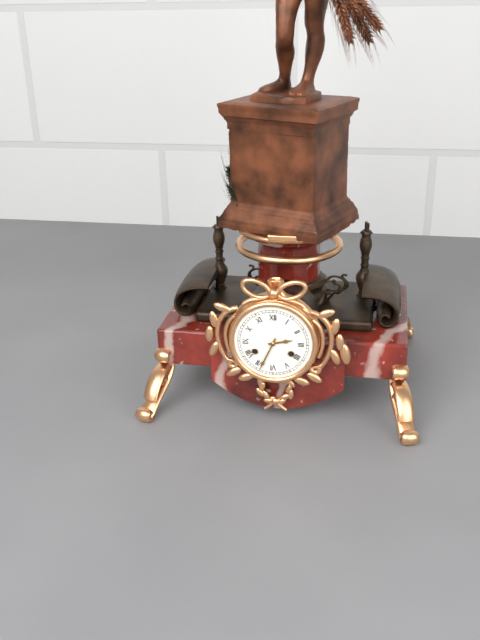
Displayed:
2,34
